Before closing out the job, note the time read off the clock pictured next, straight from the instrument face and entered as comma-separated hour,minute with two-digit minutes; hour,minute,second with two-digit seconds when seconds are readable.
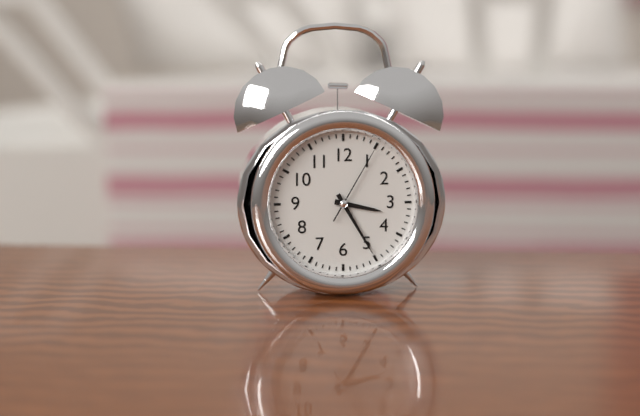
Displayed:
3,25,05
